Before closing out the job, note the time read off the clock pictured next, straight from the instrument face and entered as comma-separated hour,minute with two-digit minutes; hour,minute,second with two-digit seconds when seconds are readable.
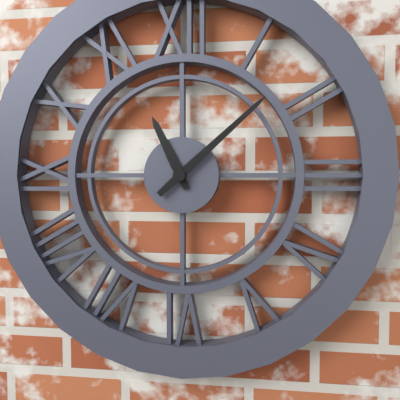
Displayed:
11,08
